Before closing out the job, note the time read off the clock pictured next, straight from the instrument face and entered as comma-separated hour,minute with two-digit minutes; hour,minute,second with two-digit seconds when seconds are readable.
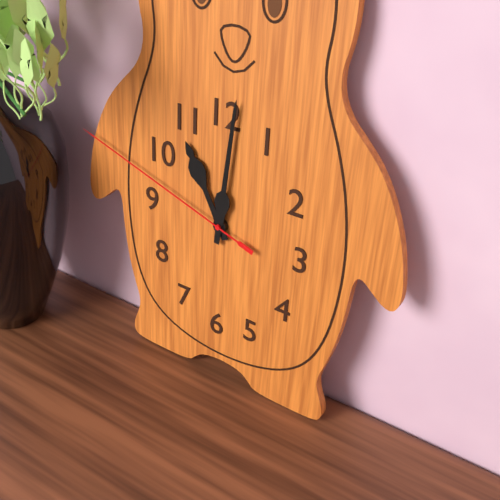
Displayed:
11,01,48
